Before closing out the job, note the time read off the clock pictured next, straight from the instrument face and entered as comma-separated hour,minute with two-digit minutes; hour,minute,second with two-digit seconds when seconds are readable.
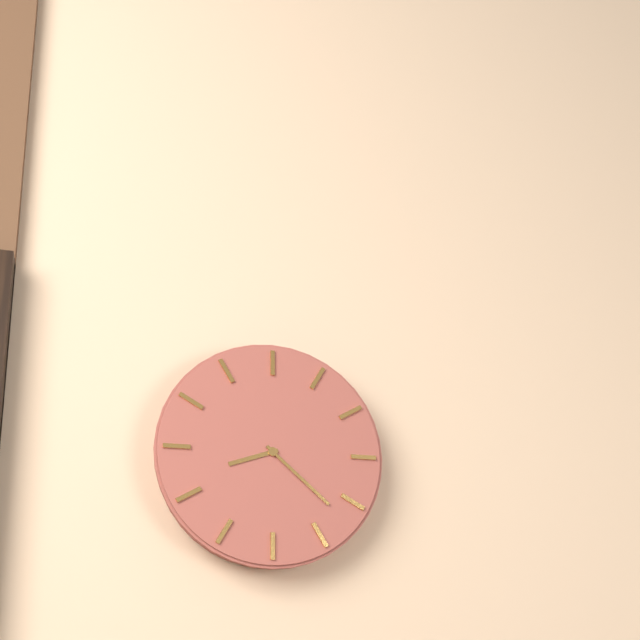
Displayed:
8,22
